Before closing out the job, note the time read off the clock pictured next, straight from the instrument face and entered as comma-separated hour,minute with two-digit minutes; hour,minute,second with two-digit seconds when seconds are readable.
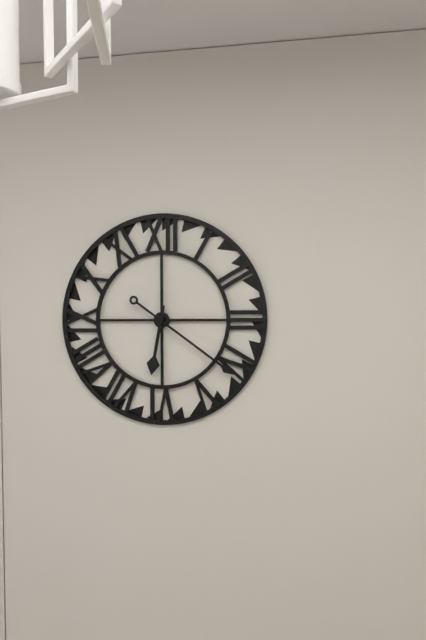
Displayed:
6,21
